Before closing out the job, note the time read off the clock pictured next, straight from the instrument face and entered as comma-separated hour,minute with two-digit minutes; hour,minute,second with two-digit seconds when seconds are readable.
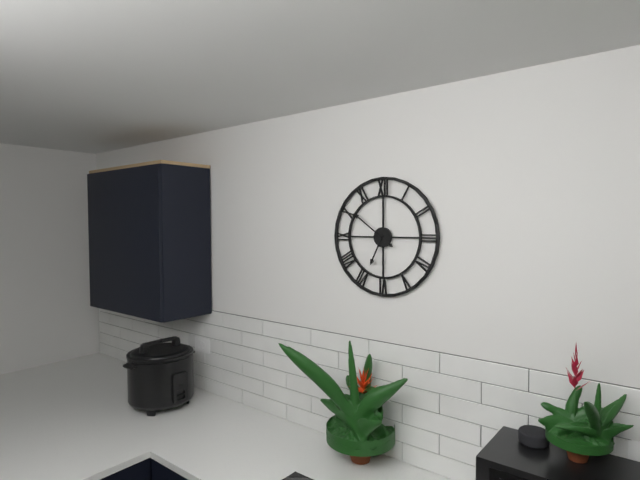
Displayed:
6,51
